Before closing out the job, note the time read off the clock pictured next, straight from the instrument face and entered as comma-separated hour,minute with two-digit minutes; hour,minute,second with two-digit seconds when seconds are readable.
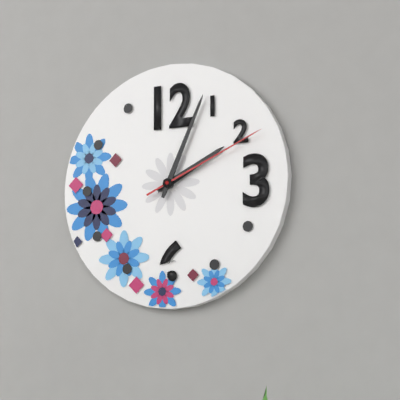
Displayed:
2,04,11
